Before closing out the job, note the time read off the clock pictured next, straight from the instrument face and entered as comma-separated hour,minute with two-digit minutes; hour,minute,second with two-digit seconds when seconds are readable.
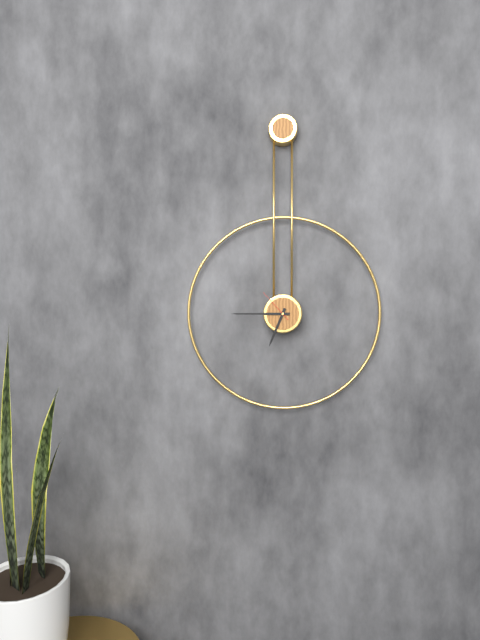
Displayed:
6,45
